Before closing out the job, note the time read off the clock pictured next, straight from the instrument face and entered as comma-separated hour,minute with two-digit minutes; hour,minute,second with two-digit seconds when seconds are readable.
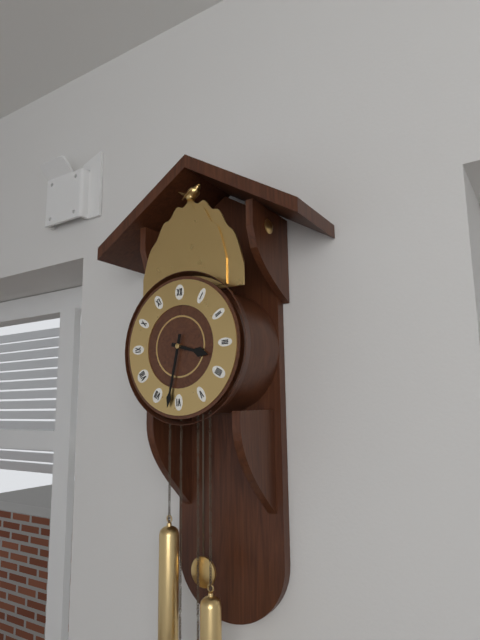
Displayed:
3,32
